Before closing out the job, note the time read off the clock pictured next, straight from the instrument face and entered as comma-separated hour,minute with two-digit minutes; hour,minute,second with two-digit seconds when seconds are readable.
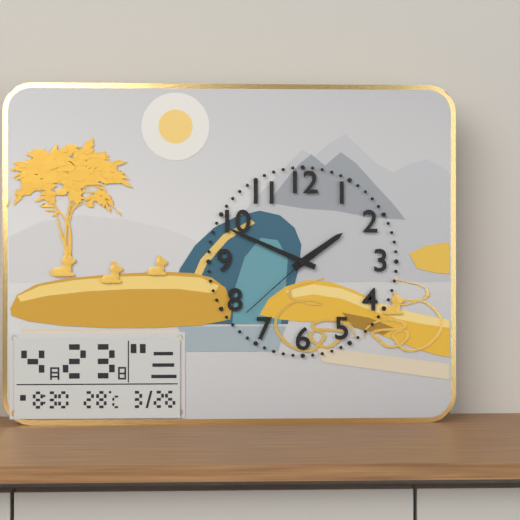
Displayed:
1,49,38
